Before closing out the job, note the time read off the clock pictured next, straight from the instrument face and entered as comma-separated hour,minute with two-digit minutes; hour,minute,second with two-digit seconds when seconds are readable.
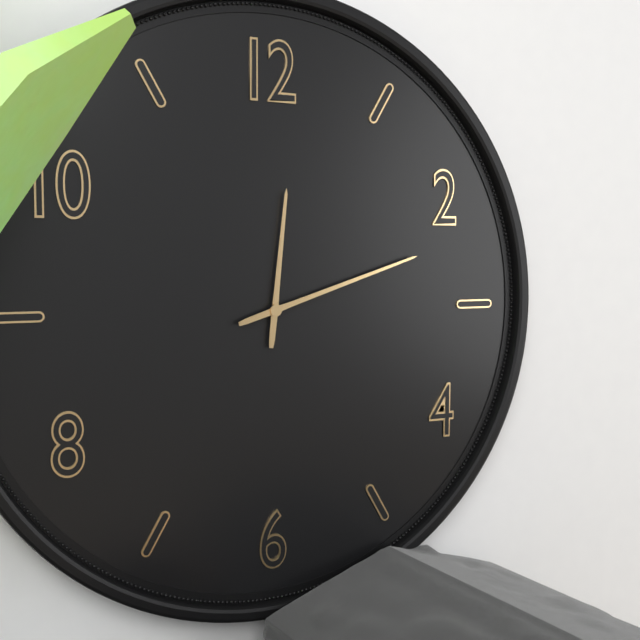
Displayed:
12,12
